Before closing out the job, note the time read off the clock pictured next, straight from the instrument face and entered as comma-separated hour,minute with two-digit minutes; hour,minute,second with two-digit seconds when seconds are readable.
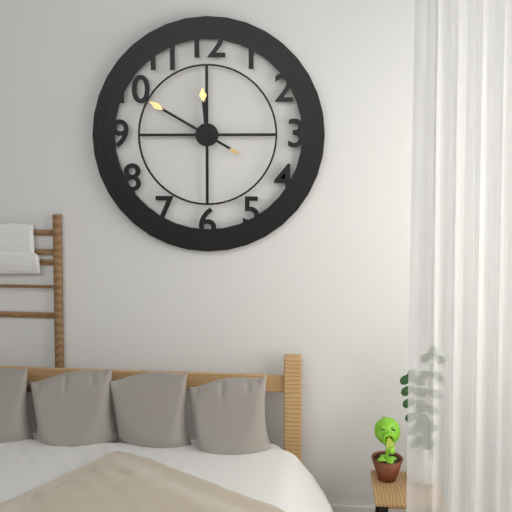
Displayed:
11,50
